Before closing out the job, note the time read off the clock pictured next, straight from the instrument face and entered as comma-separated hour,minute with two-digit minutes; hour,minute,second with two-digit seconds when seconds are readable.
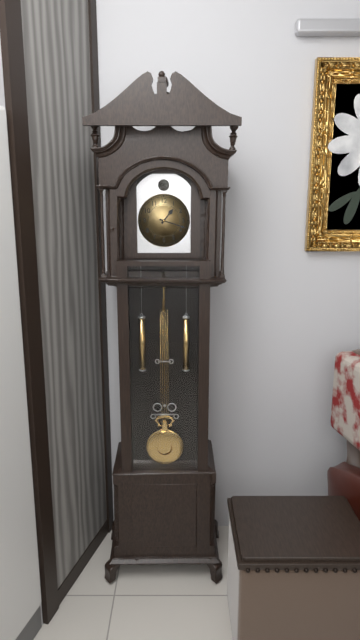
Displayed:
1,18
